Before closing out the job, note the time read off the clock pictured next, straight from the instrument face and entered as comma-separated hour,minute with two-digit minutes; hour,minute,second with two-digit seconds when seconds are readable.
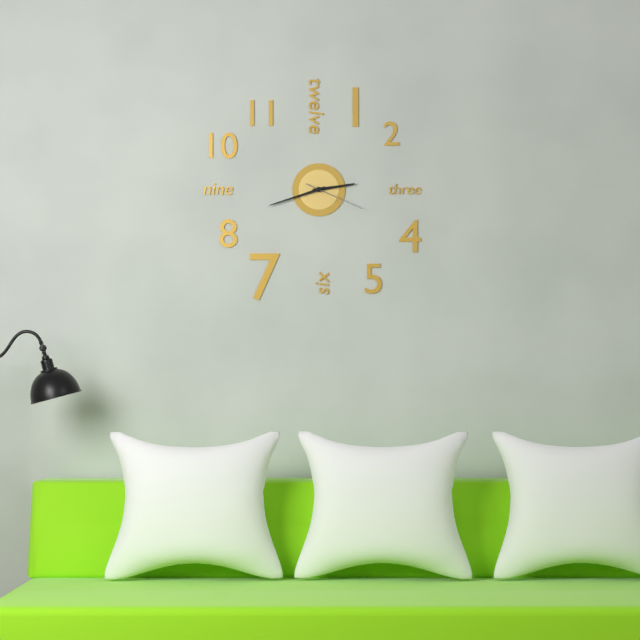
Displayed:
2,42,19
